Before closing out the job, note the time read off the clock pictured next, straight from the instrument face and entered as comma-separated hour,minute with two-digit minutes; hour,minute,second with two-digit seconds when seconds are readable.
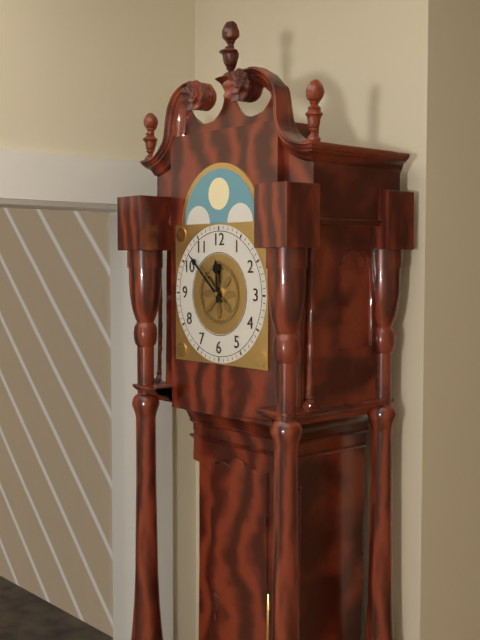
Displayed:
11,52
